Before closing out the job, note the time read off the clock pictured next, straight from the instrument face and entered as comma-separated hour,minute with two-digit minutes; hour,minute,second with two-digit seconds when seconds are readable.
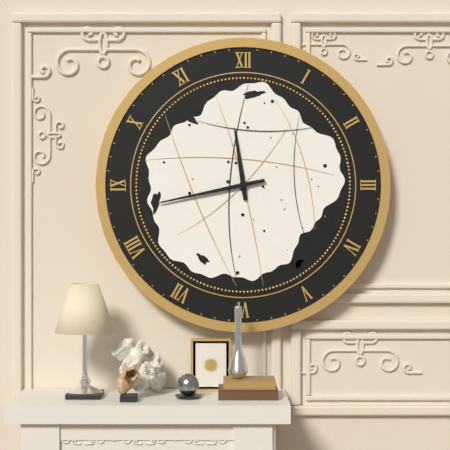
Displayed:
11,43
